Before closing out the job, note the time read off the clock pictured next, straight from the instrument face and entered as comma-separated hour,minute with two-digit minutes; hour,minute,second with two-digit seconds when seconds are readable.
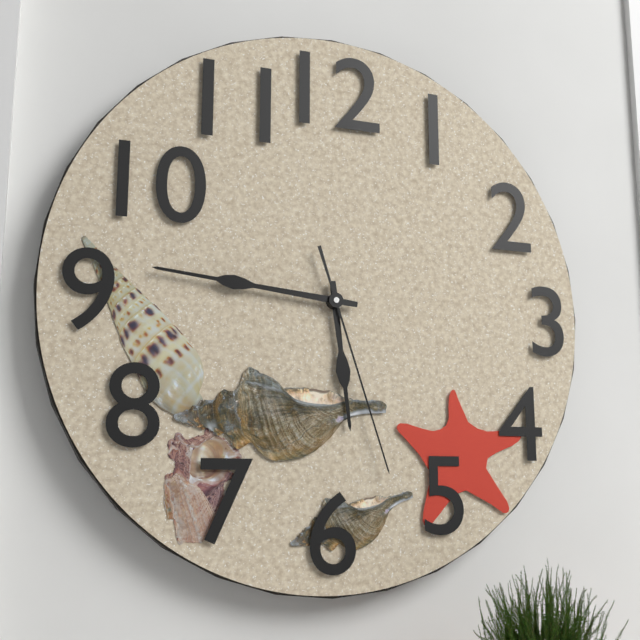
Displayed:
5,46,27
